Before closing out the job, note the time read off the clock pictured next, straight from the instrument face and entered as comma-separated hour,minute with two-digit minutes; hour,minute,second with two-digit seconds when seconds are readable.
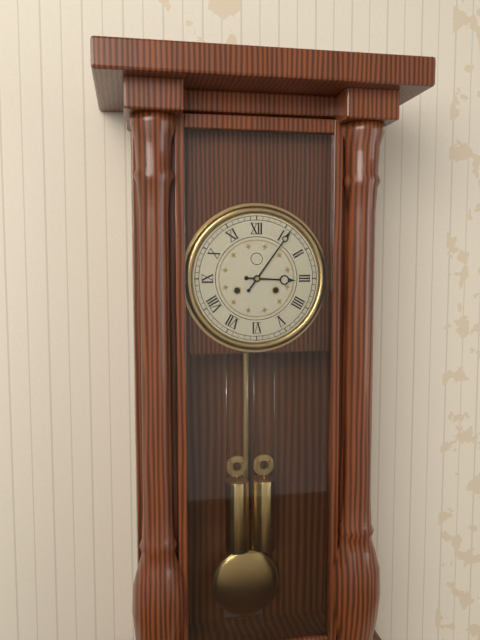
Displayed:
3,06
